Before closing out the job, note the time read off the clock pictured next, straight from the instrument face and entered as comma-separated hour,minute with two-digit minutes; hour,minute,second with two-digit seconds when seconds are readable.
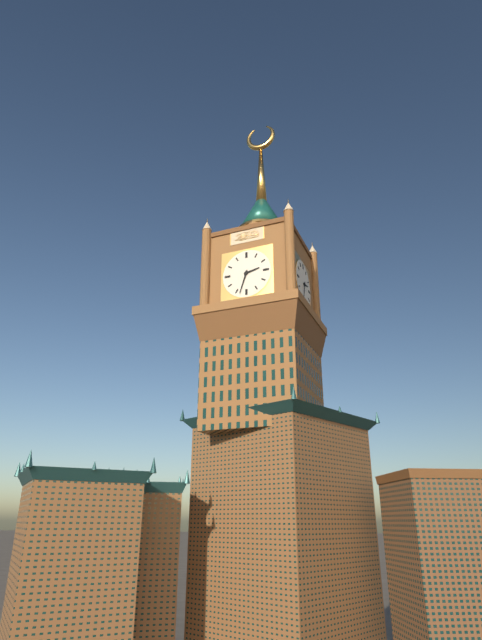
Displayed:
2,33
